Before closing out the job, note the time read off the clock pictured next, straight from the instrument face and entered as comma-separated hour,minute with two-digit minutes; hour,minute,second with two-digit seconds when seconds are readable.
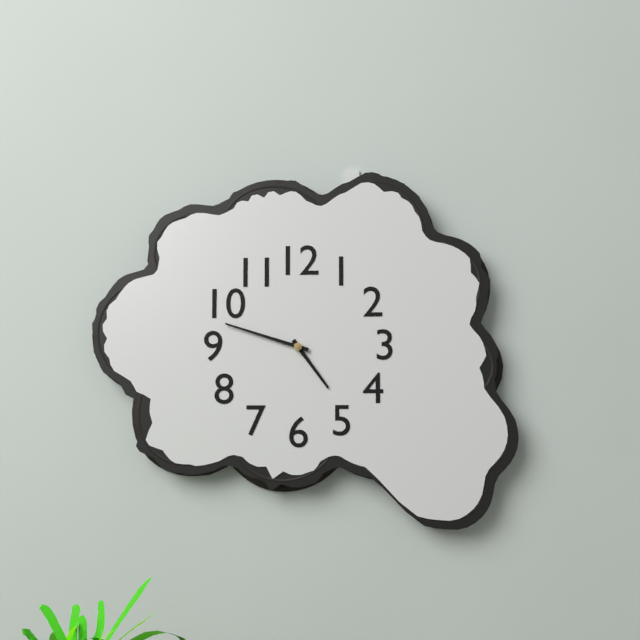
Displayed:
4,48
